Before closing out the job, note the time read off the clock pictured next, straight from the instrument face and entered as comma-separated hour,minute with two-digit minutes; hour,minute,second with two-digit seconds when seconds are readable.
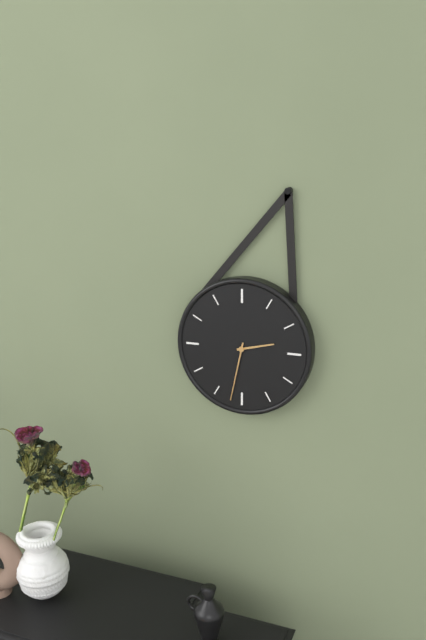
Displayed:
2,32
